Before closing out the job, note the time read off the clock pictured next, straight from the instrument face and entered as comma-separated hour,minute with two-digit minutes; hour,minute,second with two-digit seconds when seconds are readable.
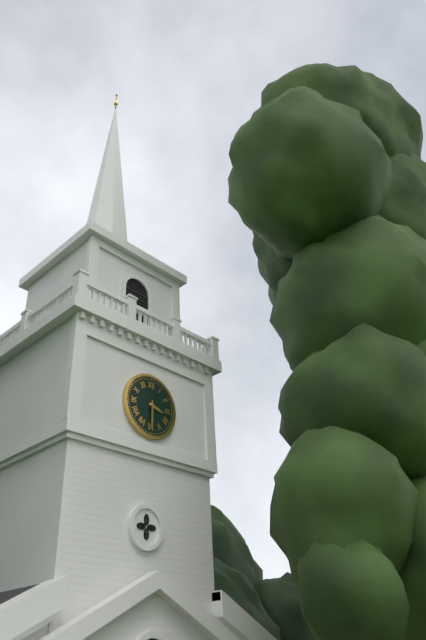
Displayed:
3,30
